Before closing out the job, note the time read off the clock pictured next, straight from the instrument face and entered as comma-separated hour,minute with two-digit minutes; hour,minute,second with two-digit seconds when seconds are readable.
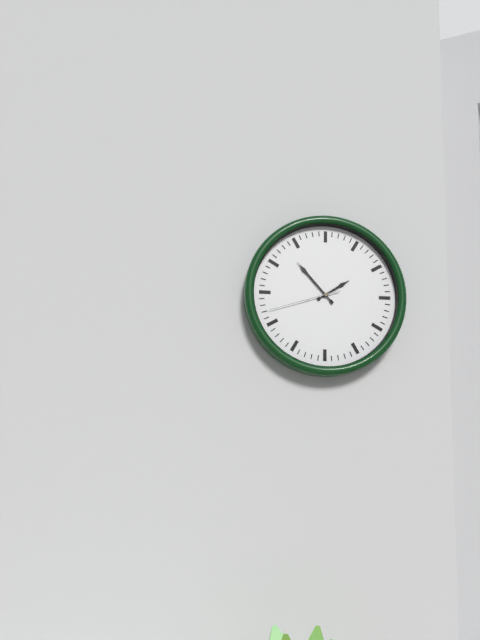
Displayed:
1,53,42
